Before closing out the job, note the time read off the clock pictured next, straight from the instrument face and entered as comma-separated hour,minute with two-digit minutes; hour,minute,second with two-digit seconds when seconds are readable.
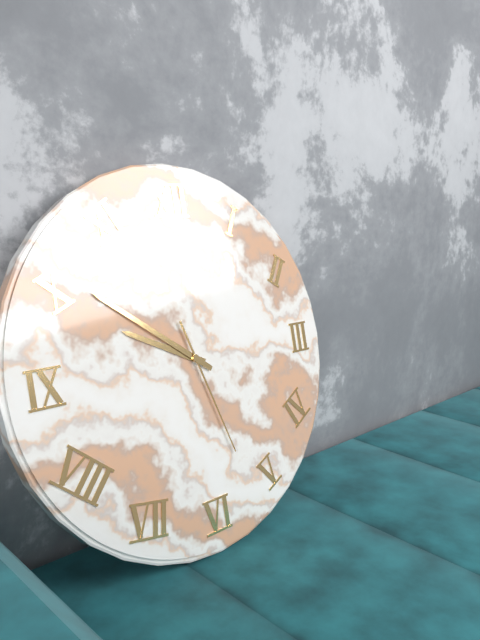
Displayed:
9,51,27
